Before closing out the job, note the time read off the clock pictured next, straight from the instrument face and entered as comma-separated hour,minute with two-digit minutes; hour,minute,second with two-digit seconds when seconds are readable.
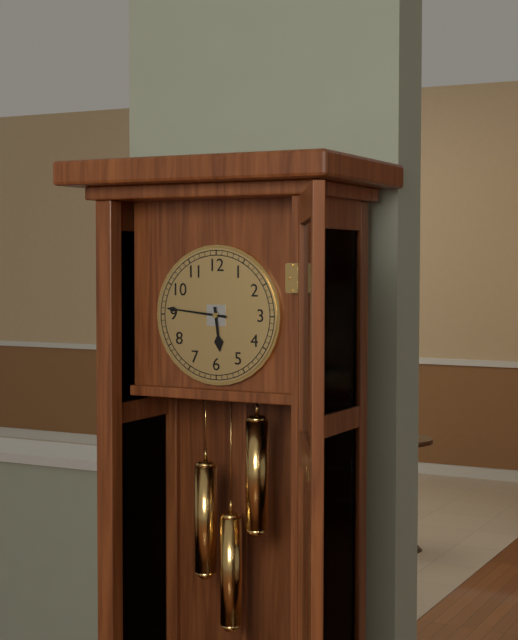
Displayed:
5,46
